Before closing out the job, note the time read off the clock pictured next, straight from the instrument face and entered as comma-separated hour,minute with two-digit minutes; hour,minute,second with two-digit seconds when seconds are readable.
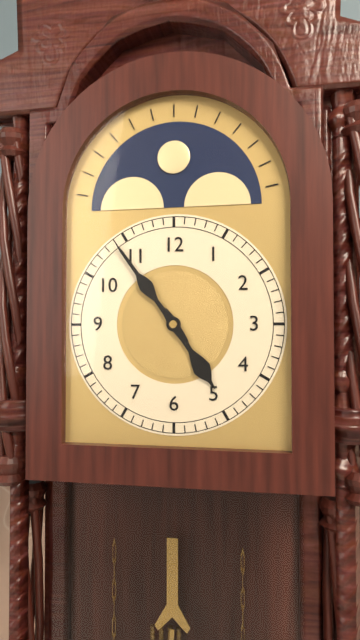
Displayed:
4,54
